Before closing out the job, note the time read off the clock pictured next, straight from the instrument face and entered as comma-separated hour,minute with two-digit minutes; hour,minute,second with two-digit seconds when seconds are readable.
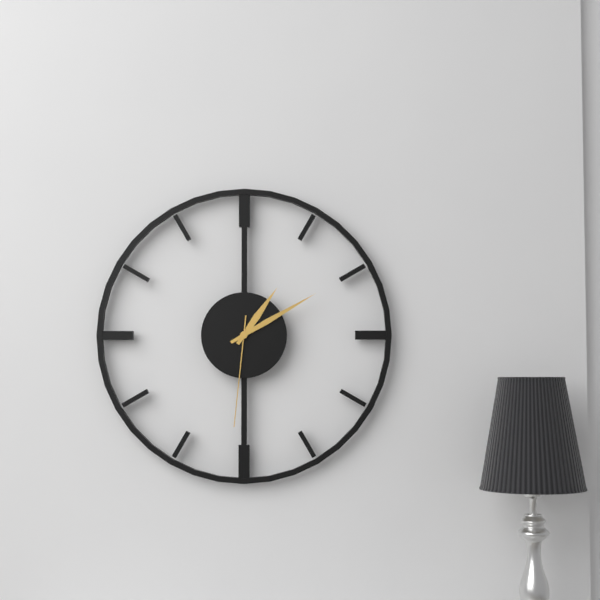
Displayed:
1,10,31
